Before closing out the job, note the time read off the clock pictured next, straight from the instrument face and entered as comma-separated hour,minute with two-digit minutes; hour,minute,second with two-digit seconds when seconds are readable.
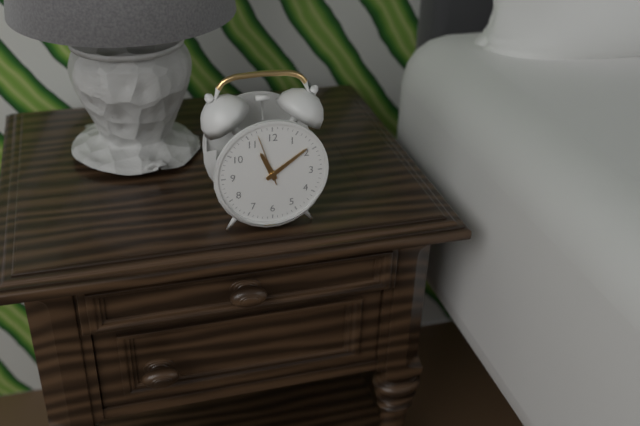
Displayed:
11,09,57
